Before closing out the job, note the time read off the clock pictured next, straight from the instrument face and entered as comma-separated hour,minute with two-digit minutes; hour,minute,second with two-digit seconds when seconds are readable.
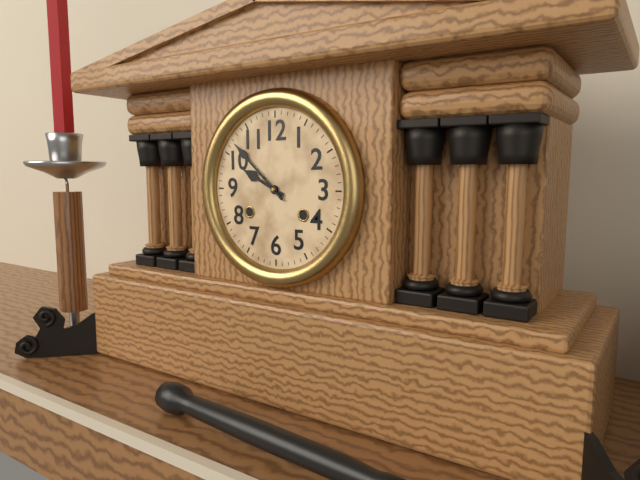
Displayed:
9,52
